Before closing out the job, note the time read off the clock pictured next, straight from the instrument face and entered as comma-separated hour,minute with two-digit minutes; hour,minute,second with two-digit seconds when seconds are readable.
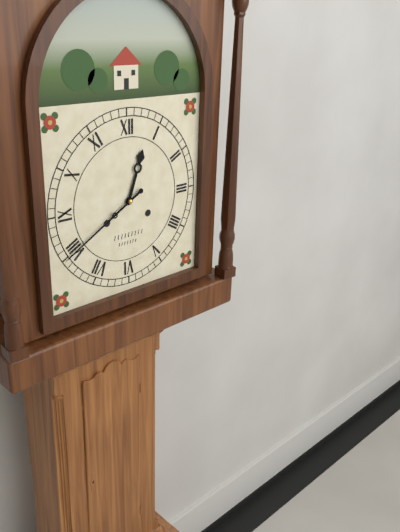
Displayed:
12,40
